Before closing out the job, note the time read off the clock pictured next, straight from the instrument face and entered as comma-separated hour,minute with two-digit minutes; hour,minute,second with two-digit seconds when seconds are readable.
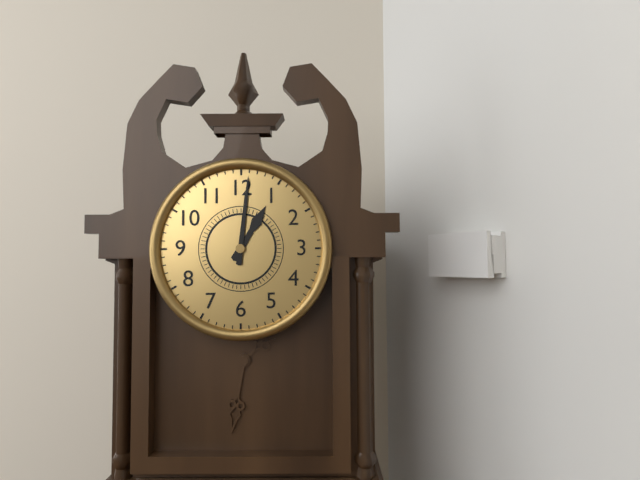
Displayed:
1,01
